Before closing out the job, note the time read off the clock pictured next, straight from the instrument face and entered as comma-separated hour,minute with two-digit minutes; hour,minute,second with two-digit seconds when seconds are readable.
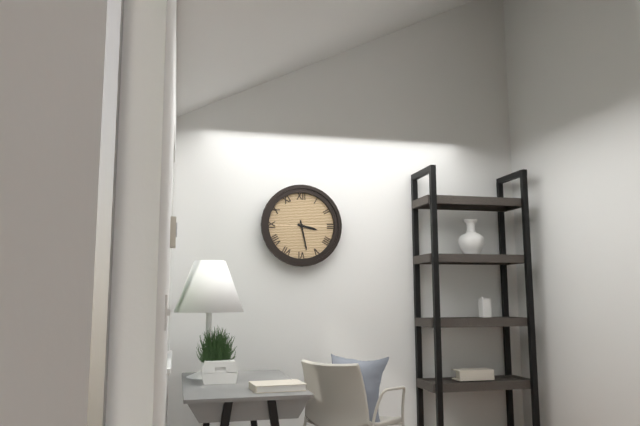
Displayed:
3,28
